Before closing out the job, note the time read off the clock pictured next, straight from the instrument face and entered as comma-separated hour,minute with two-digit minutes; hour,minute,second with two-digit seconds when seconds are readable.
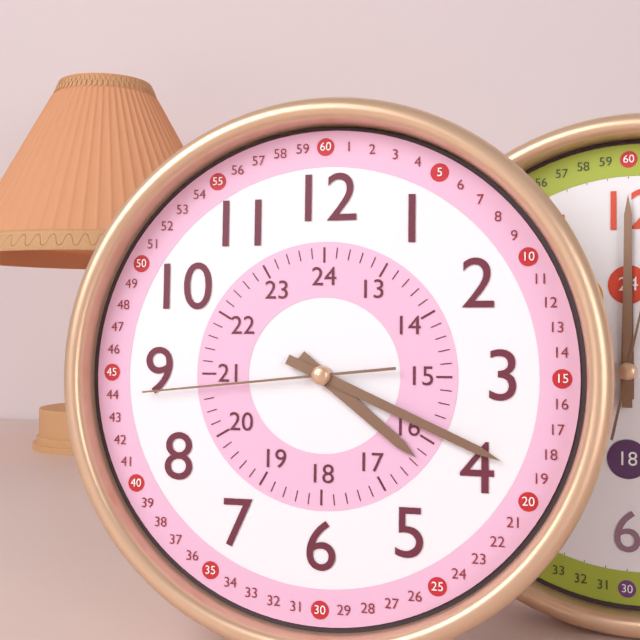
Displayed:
4,19,44
